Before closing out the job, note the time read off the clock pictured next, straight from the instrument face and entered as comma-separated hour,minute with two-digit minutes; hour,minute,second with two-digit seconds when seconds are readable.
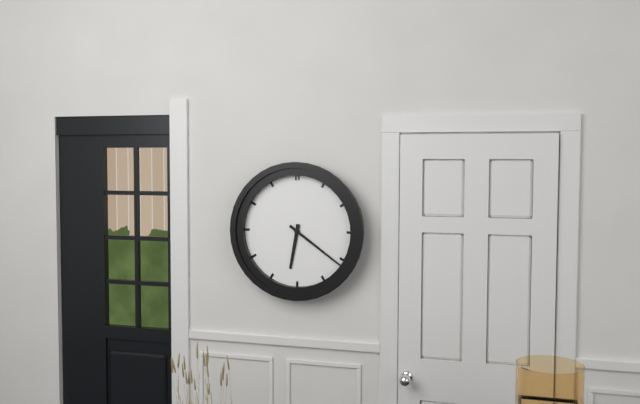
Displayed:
6,21
